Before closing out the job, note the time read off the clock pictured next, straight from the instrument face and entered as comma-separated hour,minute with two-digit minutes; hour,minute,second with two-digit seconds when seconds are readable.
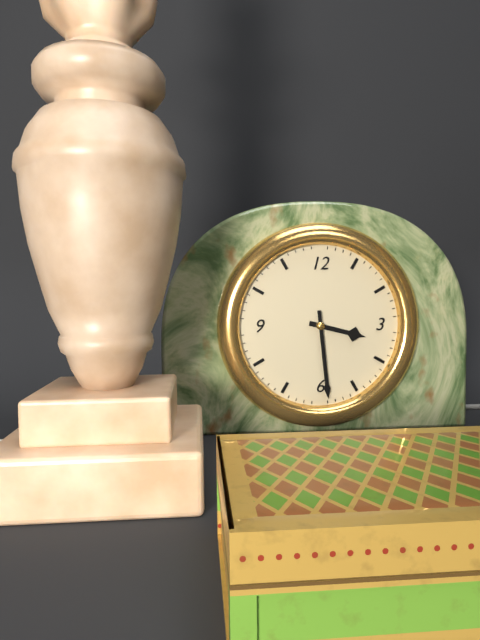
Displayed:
3,29
